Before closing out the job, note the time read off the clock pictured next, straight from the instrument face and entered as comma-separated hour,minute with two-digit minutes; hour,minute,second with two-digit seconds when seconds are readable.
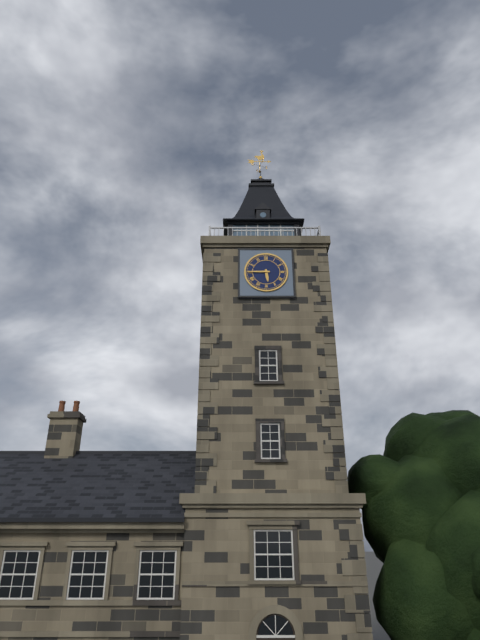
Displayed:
5,45
